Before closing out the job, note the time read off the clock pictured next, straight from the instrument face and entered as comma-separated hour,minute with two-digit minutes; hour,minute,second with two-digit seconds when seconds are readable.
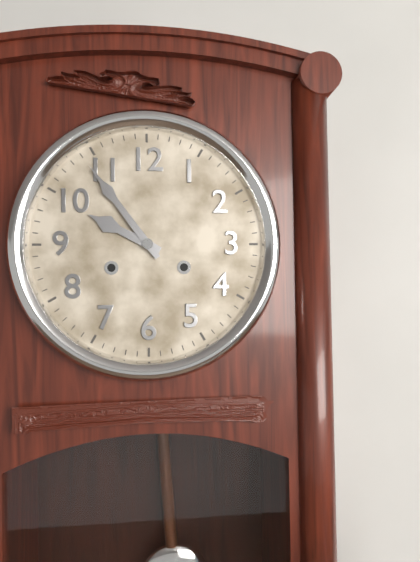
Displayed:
9,54
